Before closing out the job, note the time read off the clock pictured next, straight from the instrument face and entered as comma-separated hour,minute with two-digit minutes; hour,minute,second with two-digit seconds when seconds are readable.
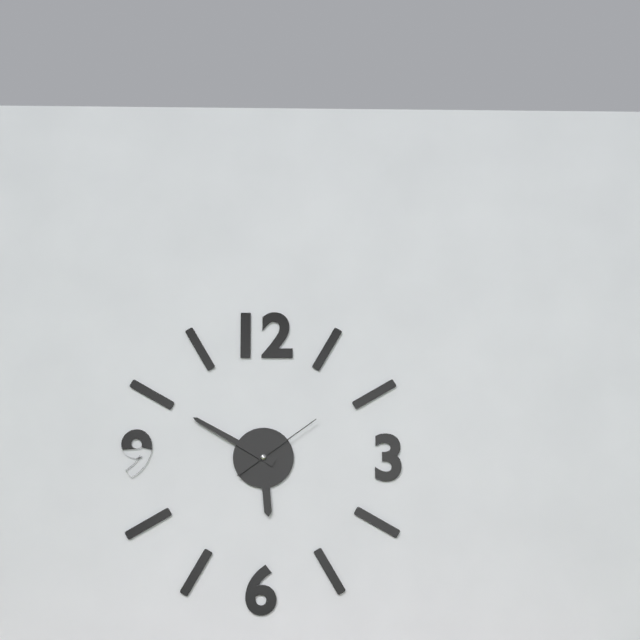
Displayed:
5,50,09
